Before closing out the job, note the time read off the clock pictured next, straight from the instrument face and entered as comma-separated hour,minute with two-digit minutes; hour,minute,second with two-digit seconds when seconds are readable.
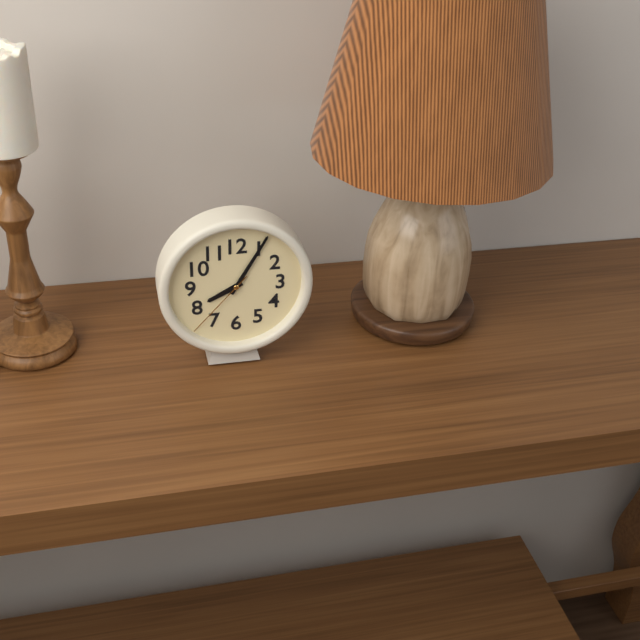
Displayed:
8,05,37
